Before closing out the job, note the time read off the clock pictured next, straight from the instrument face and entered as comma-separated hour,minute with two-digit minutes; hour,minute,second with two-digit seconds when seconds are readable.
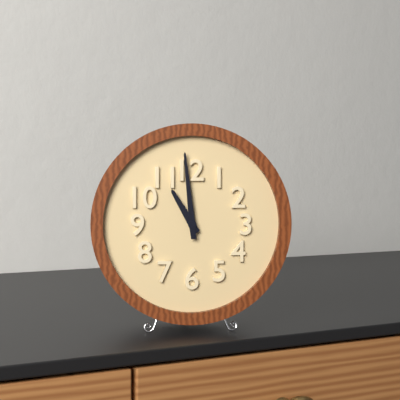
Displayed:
10,59
